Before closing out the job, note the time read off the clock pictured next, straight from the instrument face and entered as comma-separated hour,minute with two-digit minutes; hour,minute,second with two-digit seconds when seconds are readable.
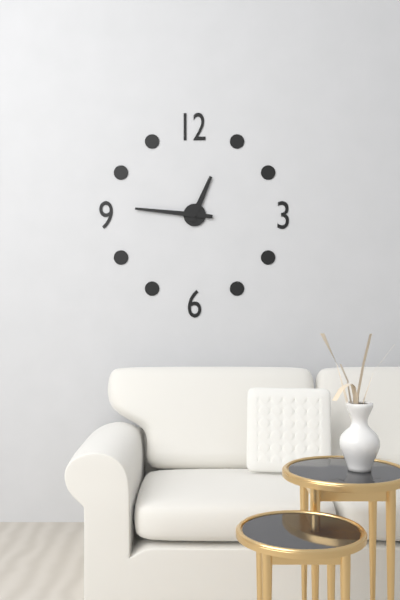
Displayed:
12,46
